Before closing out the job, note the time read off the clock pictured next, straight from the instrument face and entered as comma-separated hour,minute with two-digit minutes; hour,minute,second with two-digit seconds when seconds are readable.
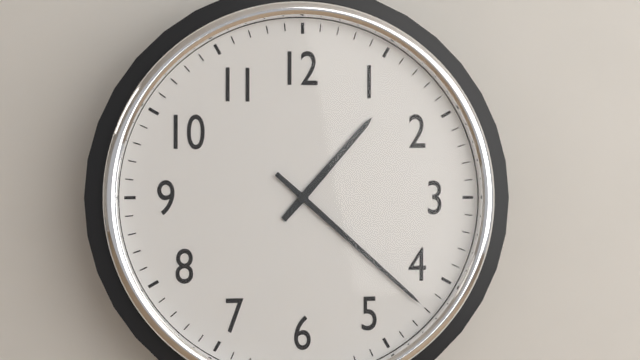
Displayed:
1,22
